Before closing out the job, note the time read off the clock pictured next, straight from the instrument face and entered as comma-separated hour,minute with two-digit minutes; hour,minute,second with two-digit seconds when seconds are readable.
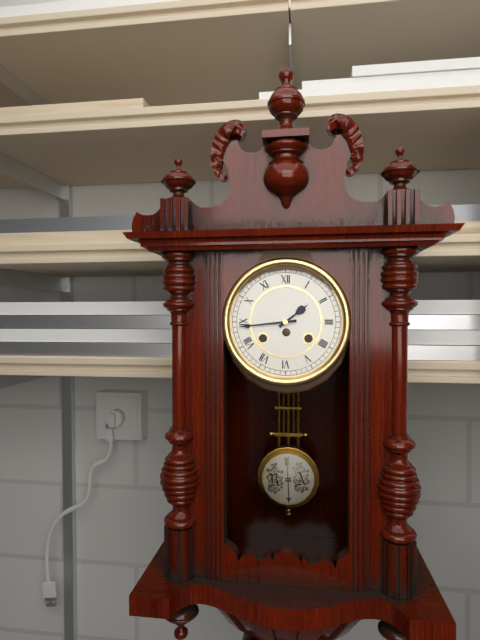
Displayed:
1,44
